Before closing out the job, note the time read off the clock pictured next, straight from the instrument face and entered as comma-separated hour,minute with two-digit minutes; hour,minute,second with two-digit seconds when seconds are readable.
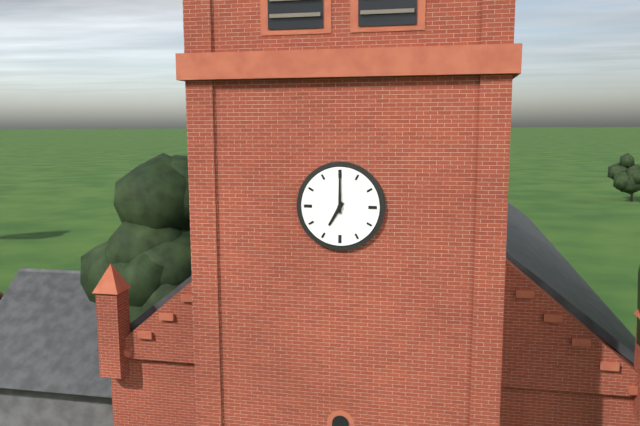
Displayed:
7,00
